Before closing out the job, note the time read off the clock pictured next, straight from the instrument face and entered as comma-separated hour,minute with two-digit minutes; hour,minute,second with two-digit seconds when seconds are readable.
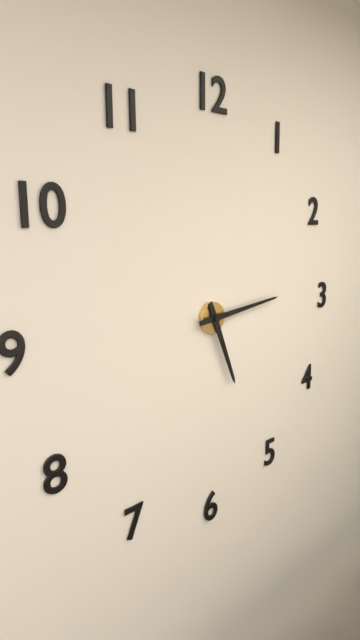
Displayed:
5,14
